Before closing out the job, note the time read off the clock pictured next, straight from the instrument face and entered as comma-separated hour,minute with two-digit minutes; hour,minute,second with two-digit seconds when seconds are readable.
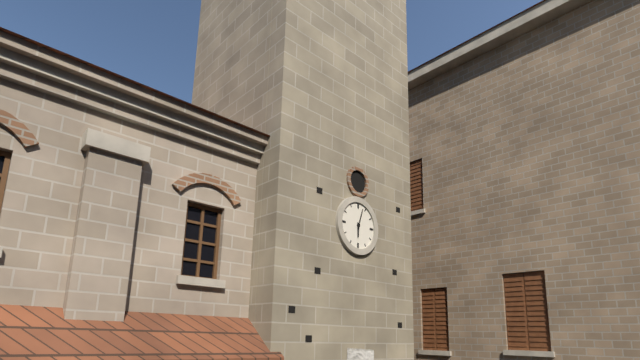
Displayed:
6,03
